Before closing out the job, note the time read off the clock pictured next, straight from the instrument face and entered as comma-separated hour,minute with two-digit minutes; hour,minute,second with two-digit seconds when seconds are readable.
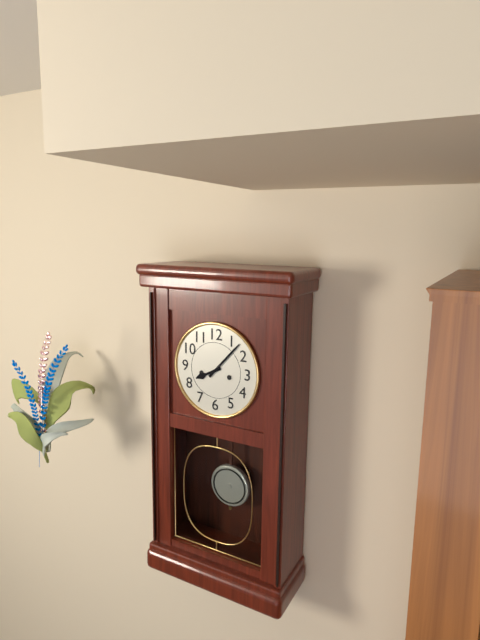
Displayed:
8,07
